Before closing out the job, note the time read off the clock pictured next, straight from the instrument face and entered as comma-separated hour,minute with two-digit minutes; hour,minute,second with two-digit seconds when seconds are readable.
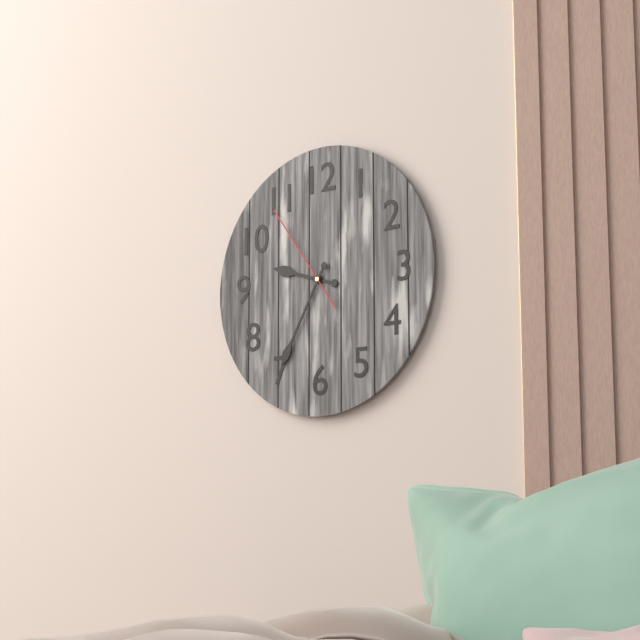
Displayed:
9,35,54
